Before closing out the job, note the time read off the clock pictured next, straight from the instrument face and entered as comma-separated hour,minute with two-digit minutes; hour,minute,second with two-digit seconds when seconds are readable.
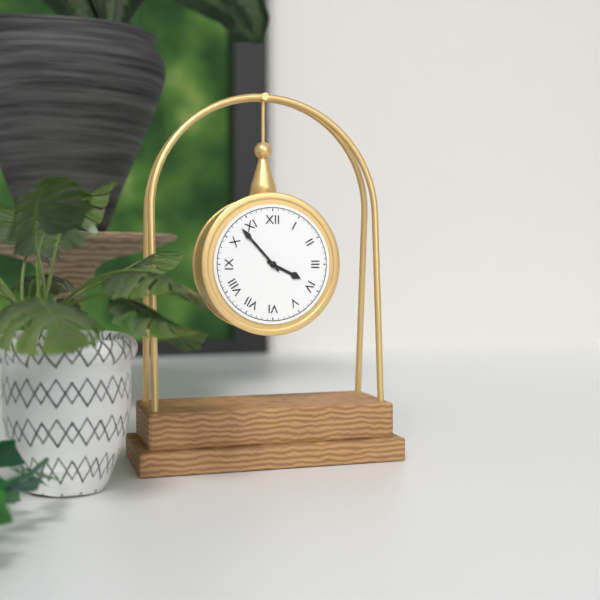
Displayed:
3,53
